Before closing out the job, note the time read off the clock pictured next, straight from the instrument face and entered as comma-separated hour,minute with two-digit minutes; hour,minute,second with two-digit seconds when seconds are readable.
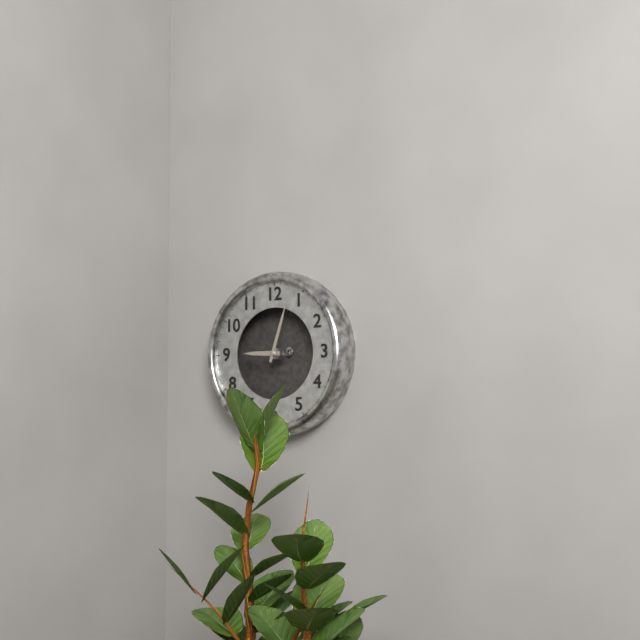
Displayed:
9,03
